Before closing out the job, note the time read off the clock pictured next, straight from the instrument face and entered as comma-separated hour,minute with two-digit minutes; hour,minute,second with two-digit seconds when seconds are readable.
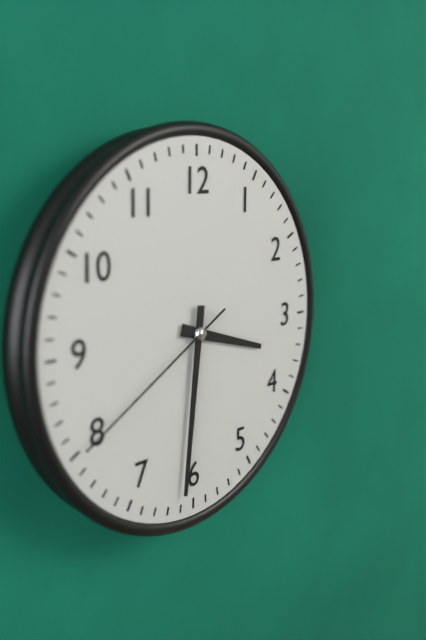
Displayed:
3,31,40
